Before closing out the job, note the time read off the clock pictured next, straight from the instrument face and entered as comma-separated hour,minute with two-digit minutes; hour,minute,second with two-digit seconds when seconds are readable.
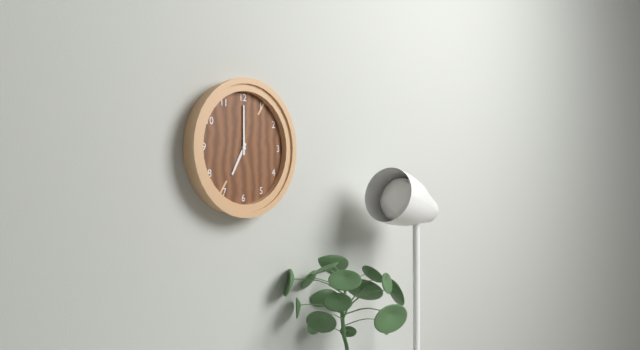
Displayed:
7,00
